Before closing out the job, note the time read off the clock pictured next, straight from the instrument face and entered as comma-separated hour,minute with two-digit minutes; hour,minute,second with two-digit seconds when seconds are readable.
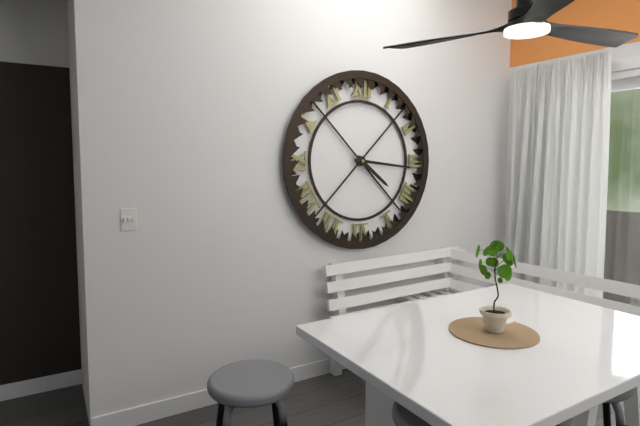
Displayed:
4,16
